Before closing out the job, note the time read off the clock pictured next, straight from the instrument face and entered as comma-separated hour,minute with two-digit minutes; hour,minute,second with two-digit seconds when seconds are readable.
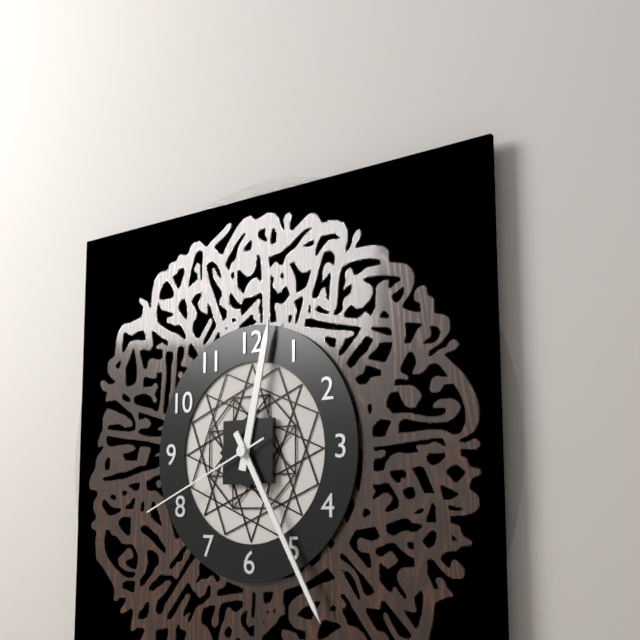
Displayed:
12,25,41
